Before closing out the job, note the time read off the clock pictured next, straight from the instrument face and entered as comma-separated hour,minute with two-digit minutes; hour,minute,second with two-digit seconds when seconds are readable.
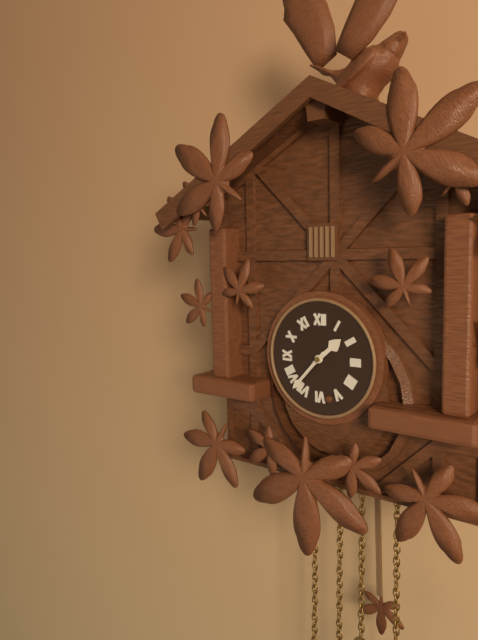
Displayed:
1,37
